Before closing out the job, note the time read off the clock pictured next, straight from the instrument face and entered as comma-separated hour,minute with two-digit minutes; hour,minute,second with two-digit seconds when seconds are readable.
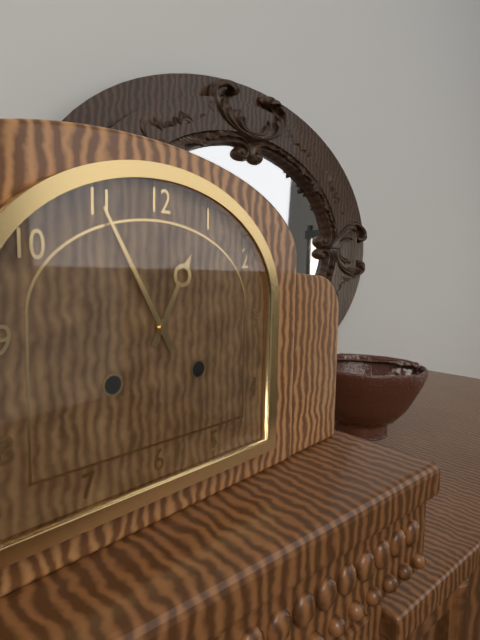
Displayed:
12,55
